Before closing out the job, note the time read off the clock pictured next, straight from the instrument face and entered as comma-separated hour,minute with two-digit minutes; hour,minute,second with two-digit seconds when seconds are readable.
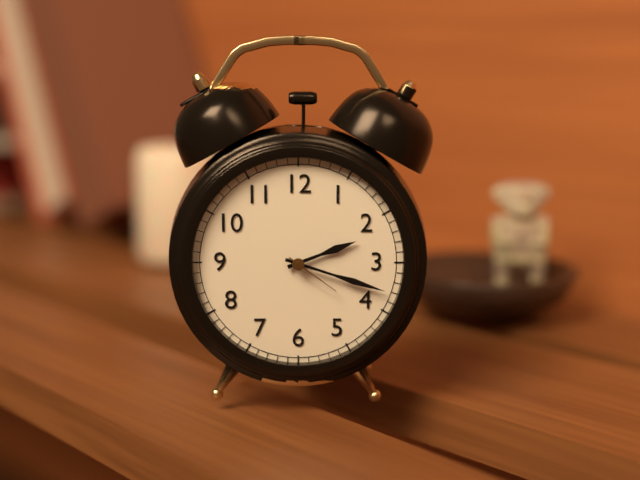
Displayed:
2,18,21
